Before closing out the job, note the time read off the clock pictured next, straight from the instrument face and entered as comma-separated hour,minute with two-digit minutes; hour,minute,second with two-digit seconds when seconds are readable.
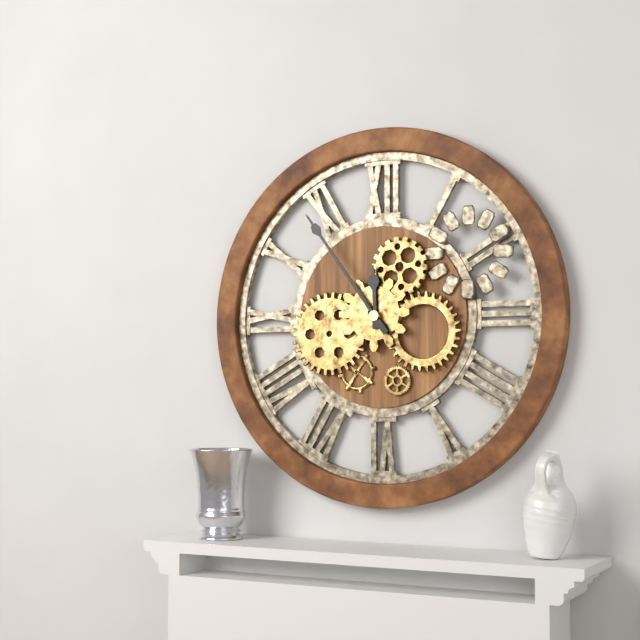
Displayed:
11,54
